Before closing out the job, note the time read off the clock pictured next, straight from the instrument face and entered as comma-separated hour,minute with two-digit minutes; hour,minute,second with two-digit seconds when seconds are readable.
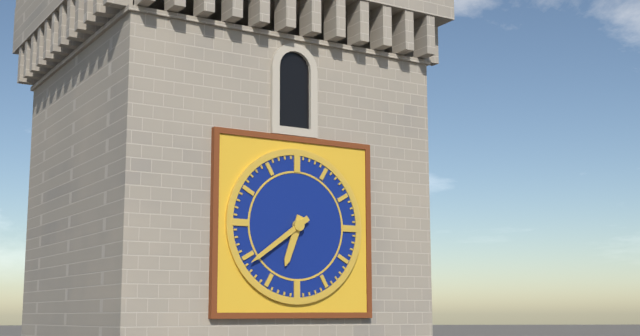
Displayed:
6,39
